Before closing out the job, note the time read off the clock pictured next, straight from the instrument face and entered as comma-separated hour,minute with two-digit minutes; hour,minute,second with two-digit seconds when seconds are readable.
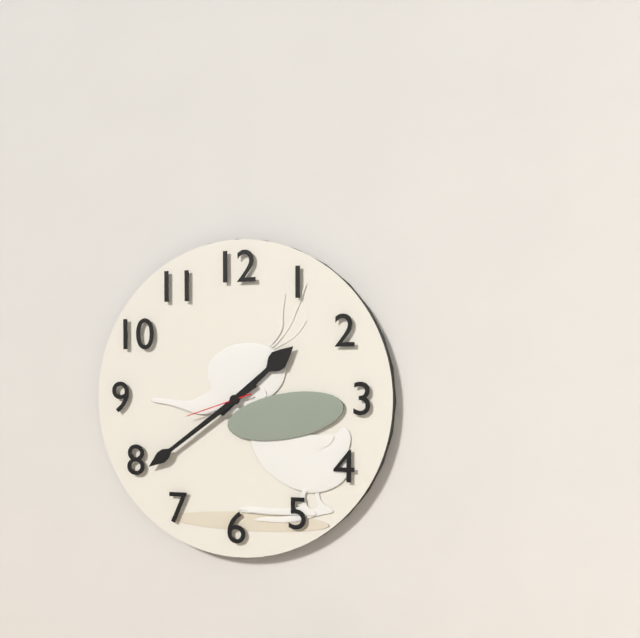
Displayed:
1,39,42
